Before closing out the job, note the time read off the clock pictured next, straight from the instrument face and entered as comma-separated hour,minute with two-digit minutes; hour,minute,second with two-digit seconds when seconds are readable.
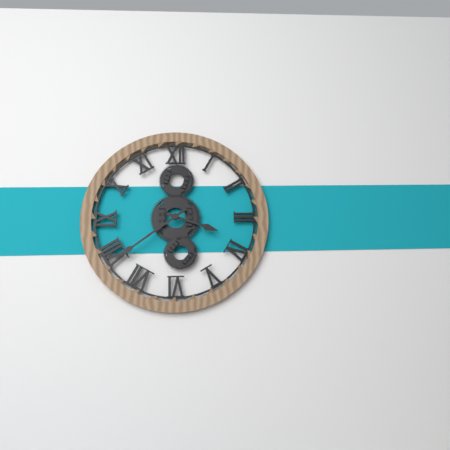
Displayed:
3,39
